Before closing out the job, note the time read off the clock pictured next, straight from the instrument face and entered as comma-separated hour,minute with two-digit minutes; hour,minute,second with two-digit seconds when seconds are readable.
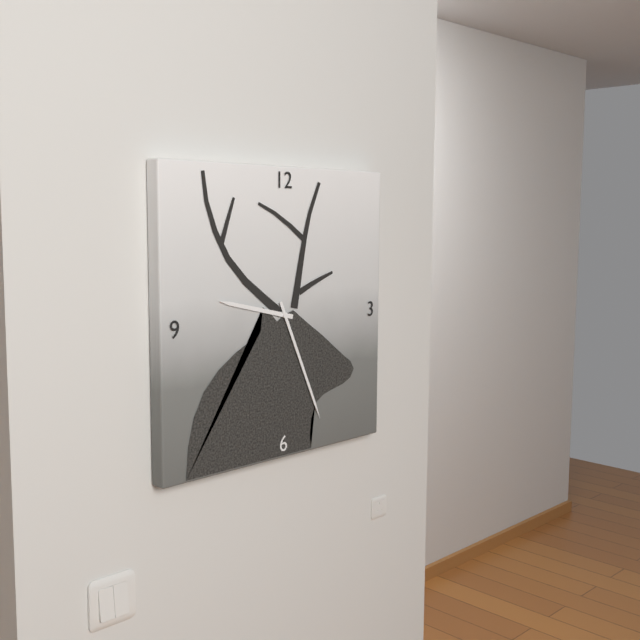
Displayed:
9,26
